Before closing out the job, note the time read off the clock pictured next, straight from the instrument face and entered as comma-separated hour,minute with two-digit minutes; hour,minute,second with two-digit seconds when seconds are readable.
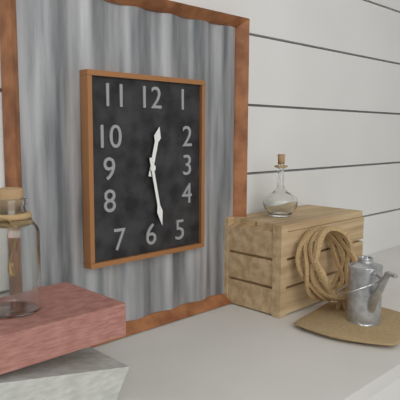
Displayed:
12,28
